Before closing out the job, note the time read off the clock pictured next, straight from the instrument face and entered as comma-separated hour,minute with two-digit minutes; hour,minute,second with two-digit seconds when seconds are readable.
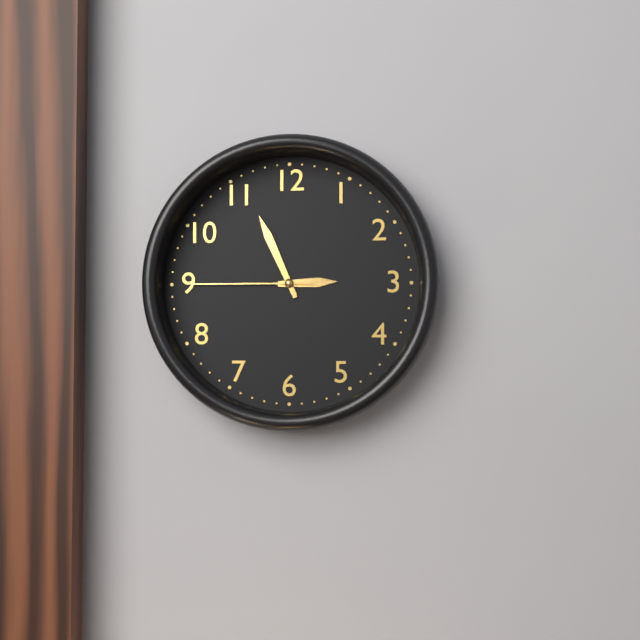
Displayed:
2,56,45
